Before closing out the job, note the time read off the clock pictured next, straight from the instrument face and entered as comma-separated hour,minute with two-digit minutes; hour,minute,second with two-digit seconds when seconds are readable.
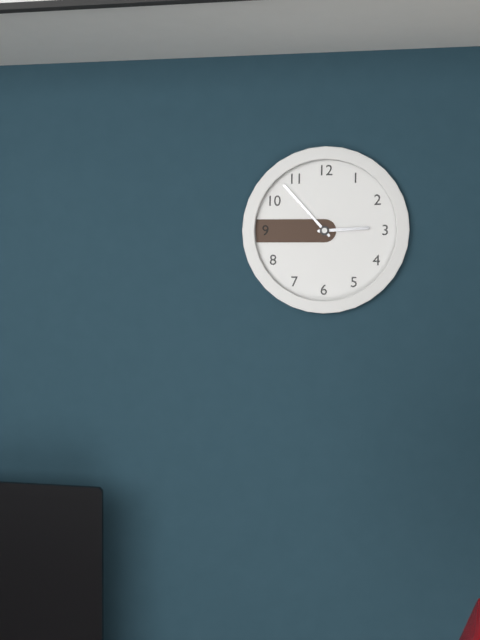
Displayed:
2,53
